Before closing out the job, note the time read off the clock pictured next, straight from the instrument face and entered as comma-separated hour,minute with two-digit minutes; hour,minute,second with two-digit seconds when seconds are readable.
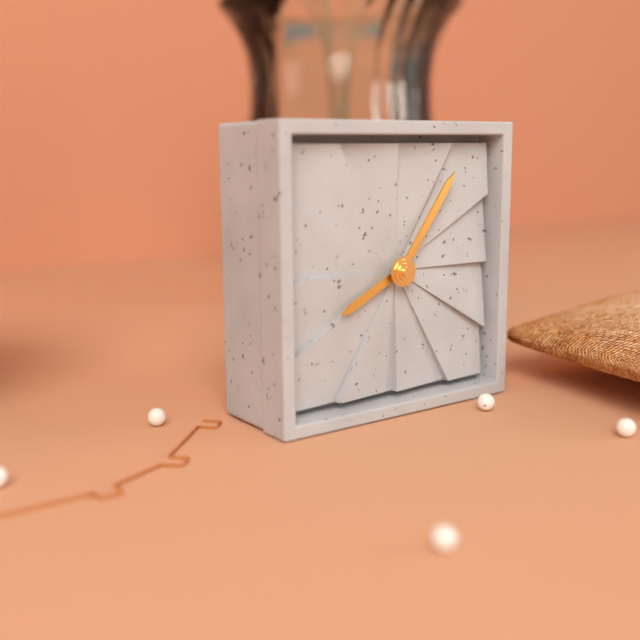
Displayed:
8,06
